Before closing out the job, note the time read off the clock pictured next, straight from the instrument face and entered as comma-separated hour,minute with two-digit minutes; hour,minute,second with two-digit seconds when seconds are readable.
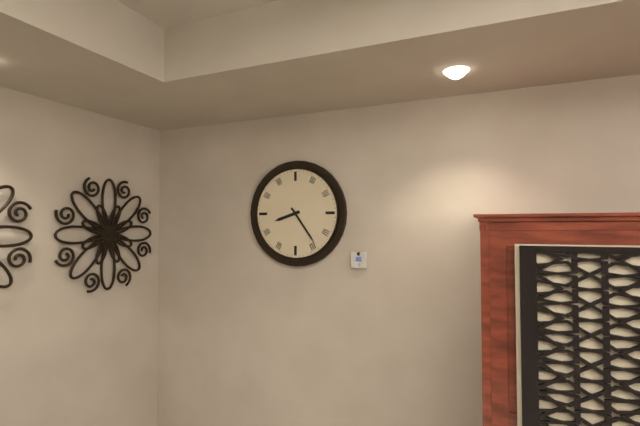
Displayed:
8,24
